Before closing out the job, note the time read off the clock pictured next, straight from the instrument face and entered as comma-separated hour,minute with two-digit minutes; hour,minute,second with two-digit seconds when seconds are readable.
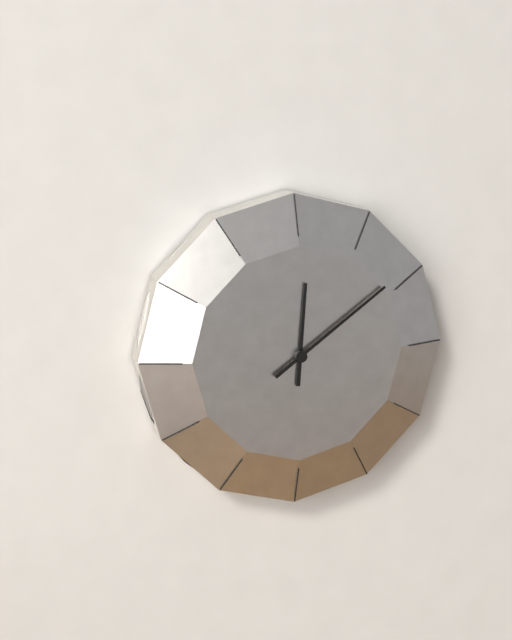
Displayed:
12,09
